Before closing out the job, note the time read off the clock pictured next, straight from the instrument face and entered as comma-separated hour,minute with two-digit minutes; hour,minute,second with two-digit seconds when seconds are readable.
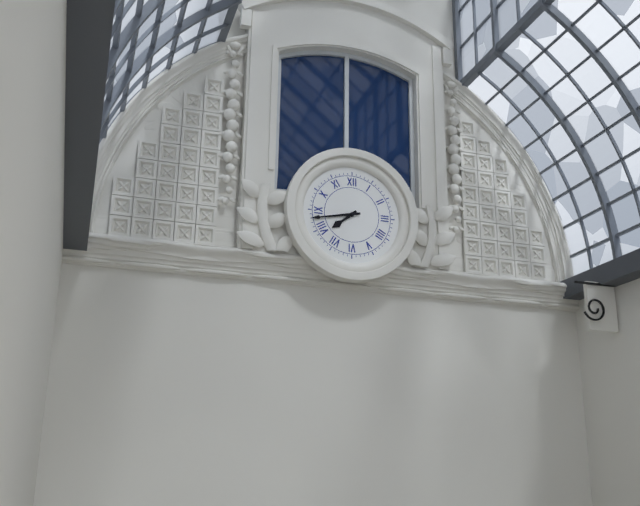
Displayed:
7,43
